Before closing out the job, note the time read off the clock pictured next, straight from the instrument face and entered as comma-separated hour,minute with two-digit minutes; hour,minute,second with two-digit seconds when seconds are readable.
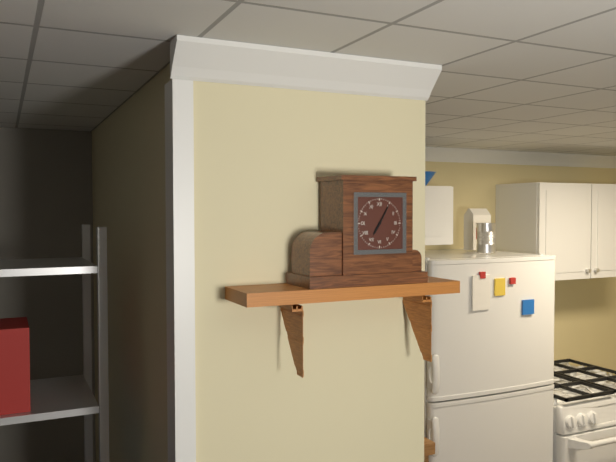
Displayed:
7,05
